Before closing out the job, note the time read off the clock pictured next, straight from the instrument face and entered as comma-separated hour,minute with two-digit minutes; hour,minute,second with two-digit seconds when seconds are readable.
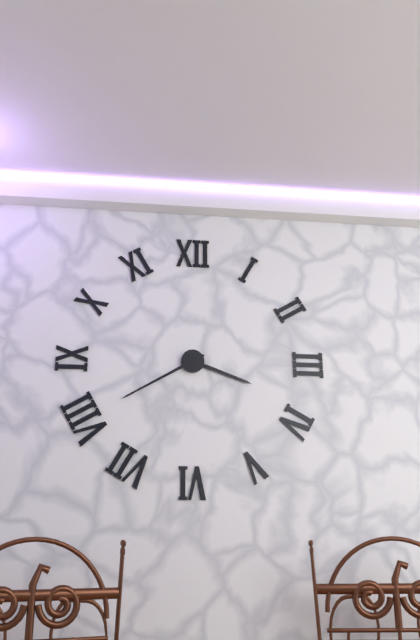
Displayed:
3,40
